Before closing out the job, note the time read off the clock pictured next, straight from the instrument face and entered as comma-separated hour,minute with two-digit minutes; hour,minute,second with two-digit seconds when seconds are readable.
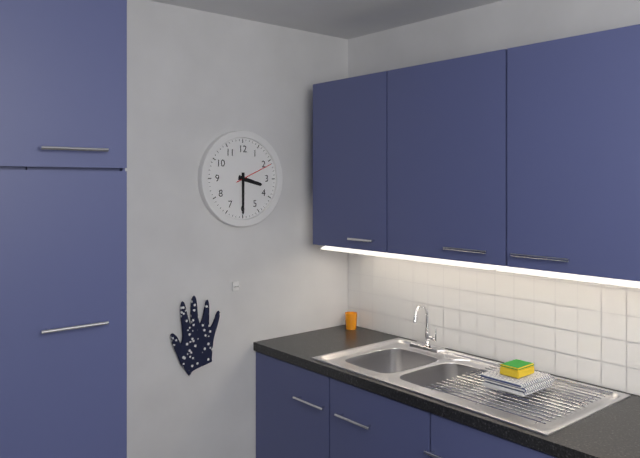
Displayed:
3,30
